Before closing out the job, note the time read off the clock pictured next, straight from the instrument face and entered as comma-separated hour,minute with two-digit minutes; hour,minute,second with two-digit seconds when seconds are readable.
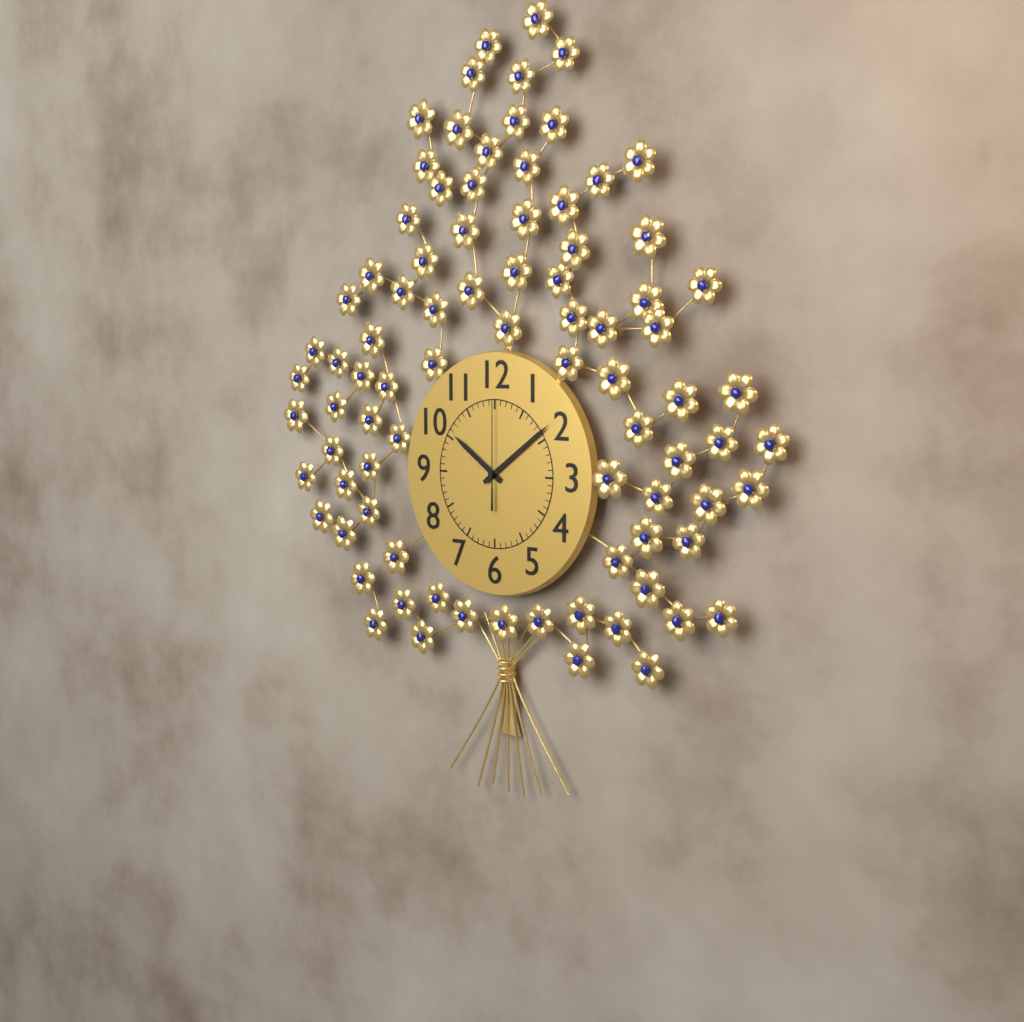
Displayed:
10,09,00
